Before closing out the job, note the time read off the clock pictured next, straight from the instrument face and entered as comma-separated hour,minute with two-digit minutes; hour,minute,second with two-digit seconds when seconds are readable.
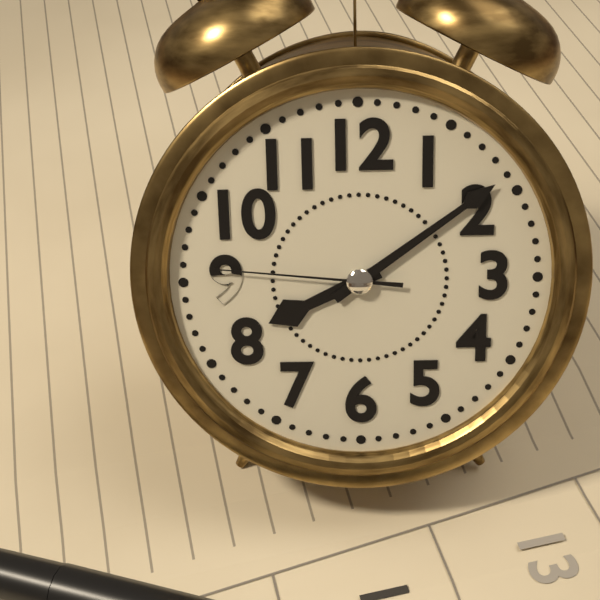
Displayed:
8,09,46
